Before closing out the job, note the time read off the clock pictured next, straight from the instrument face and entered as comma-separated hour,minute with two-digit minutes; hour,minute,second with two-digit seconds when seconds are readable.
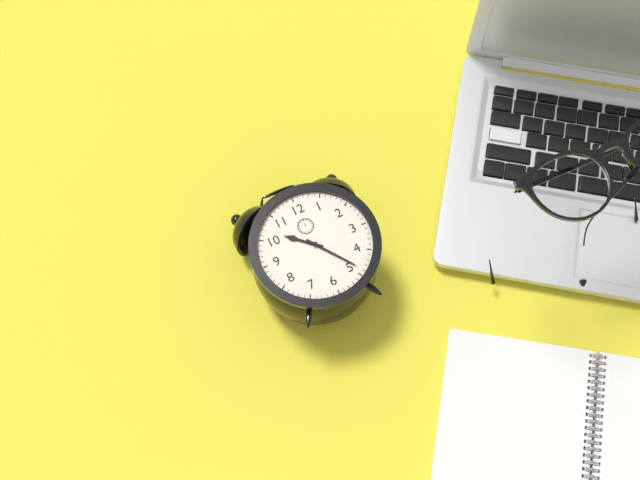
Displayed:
10,24
